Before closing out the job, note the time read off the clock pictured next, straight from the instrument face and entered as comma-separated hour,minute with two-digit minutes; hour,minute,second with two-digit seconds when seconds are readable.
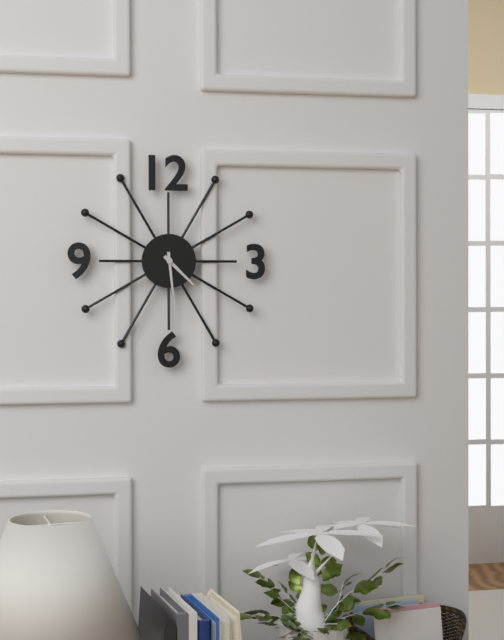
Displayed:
4,29
